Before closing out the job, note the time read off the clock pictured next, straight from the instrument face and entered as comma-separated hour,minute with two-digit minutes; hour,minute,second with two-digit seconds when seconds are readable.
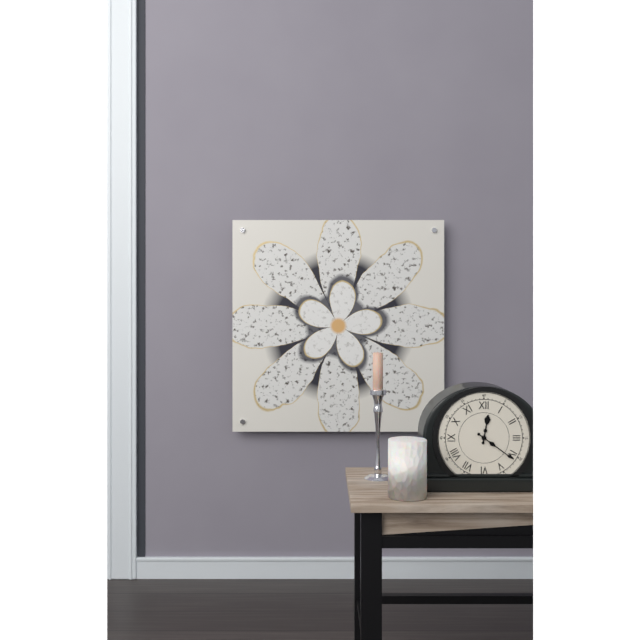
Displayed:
12,21
